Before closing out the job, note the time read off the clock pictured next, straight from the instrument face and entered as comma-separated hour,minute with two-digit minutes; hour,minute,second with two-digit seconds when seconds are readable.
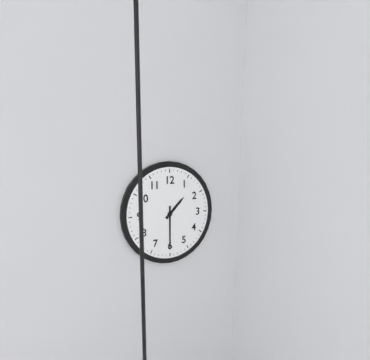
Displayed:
1,30
